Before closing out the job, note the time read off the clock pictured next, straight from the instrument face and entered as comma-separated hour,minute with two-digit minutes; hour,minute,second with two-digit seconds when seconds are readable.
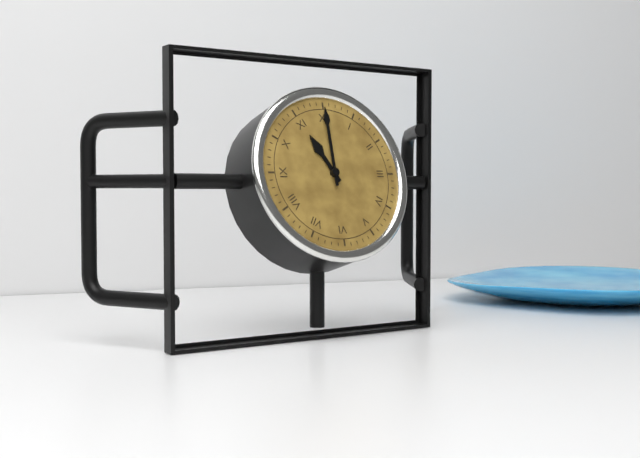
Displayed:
11,00
